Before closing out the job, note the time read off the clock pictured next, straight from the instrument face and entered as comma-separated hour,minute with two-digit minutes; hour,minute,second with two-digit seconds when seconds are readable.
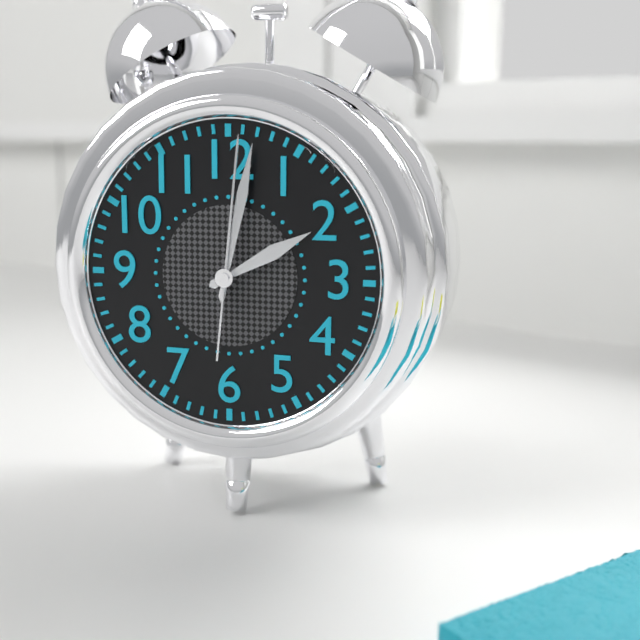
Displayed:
2,02,01
